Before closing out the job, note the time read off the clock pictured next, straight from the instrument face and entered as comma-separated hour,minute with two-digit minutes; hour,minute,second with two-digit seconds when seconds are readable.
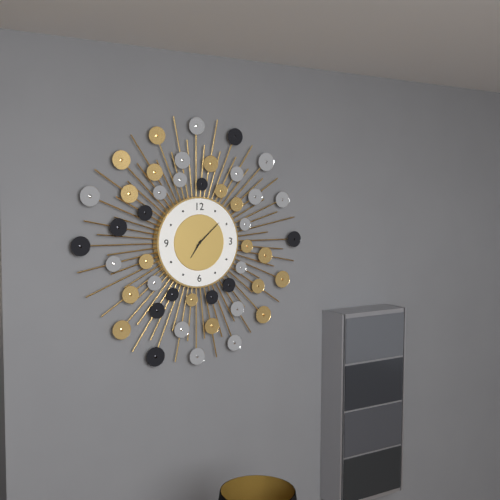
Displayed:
7,08
